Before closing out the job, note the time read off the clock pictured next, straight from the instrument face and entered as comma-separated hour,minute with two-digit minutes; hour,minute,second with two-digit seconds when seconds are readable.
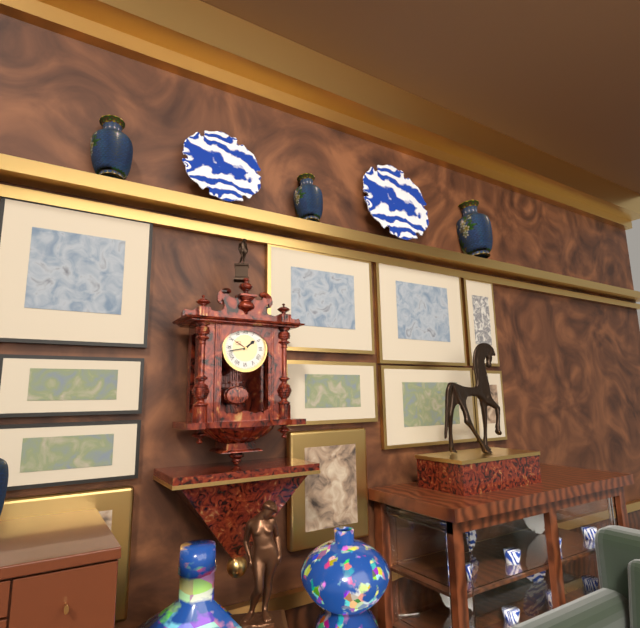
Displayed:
1,43
